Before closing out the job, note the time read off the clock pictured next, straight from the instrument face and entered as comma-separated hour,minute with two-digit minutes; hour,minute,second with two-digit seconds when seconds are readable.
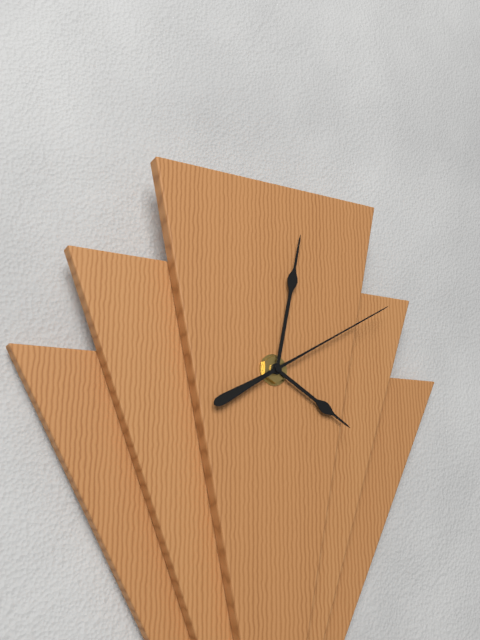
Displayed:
4,02,10
